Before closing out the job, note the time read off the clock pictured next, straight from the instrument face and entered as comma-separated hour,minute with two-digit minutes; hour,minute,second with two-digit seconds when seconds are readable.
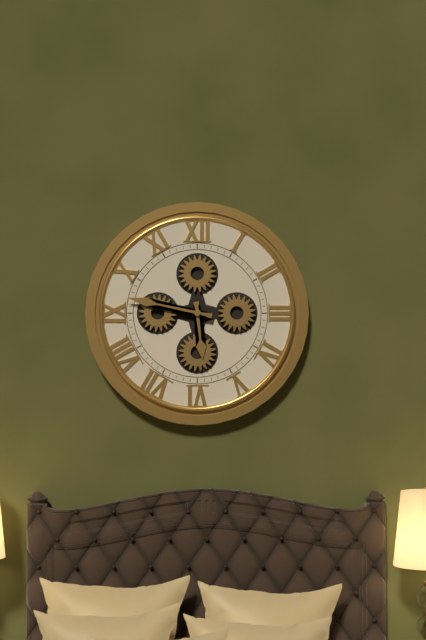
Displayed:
5,47
